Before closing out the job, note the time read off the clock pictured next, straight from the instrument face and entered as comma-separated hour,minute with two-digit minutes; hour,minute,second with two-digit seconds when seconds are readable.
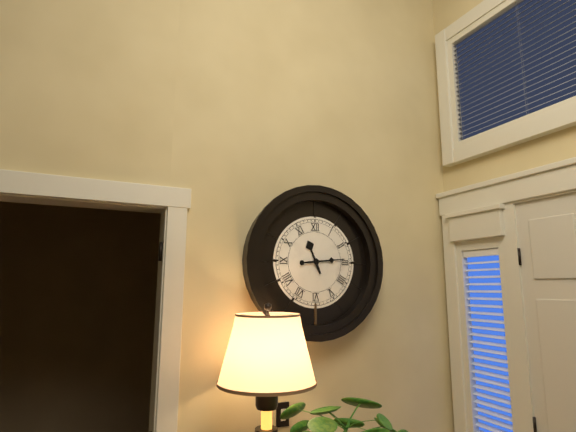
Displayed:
11,14
